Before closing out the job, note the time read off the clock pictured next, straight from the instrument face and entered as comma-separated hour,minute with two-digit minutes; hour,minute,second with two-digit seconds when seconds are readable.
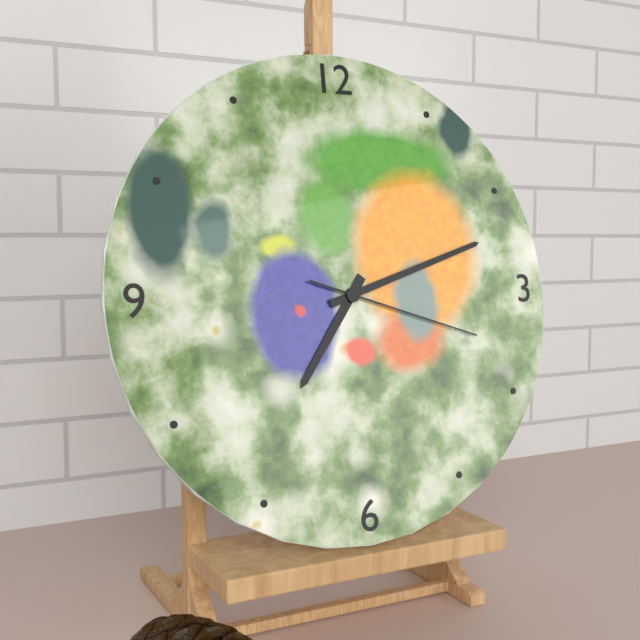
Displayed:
7,12,18
